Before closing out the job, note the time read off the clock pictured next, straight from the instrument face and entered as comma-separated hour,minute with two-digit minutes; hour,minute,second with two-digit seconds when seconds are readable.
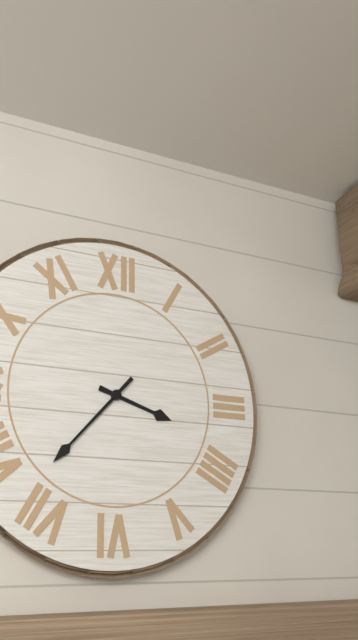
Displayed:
3,37
